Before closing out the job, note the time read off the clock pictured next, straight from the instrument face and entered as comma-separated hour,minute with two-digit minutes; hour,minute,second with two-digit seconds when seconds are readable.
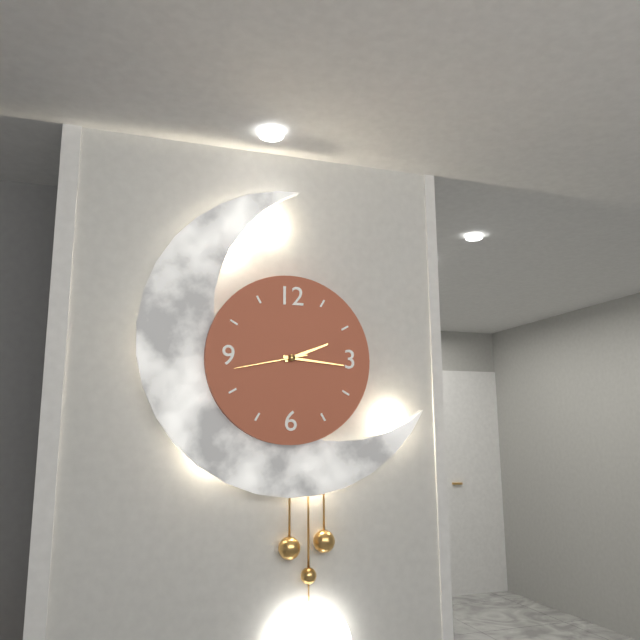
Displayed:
2,16,43
